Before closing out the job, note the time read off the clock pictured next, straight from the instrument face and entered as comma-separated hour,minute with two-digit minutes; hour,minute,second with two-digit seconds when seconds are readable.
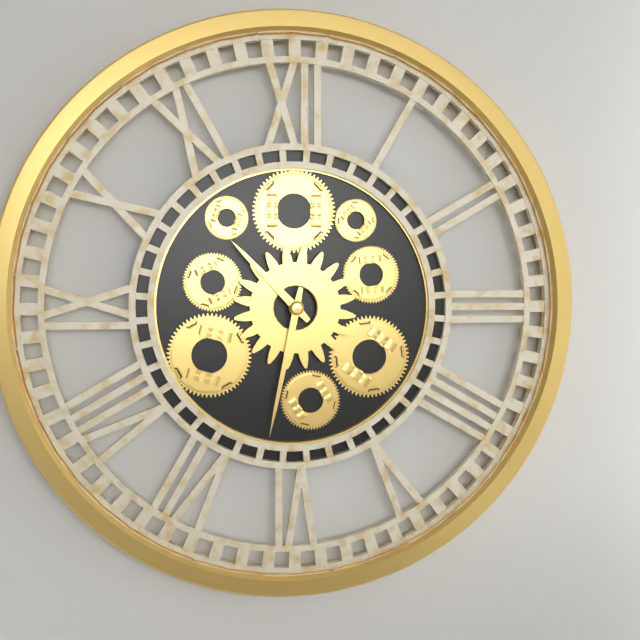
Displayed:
10,32
